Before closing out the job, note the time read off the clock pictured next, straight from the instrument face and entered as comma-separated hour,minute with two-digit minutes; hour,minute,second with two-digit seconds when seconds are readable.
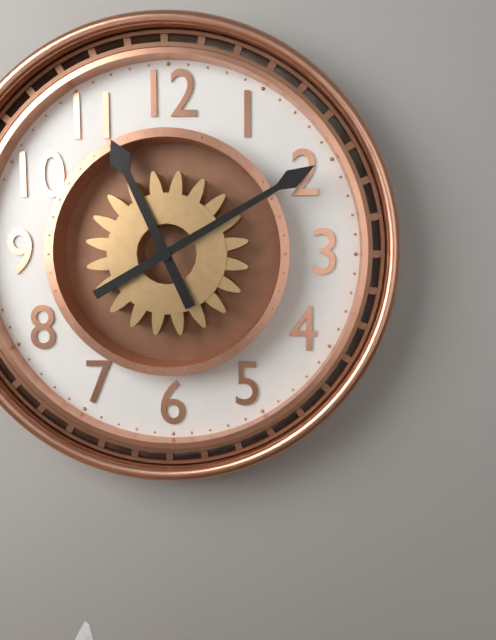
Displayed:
11,10
